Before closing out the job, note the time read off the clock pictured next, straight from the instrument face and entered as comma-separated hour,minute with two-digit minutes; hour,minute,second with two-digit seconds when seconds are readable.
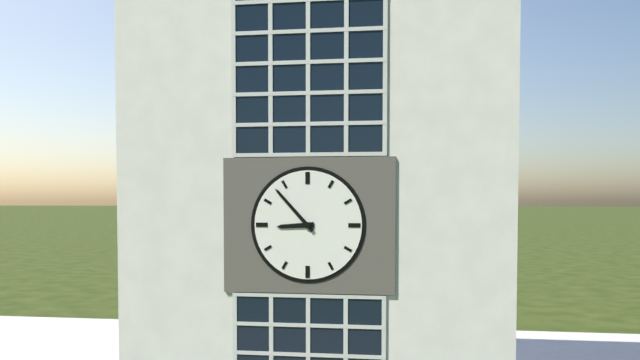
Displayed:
8,53
